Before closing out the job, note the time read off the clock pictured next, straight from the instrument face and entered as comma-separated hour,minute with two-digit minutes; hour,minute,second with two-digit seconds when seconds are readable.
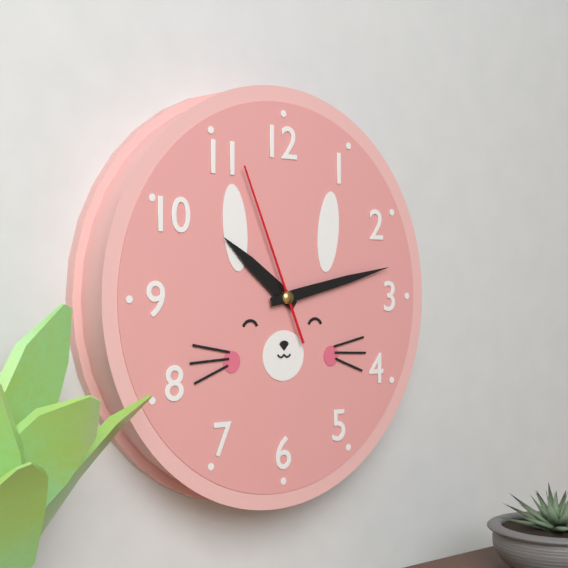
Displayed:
10,13,56
